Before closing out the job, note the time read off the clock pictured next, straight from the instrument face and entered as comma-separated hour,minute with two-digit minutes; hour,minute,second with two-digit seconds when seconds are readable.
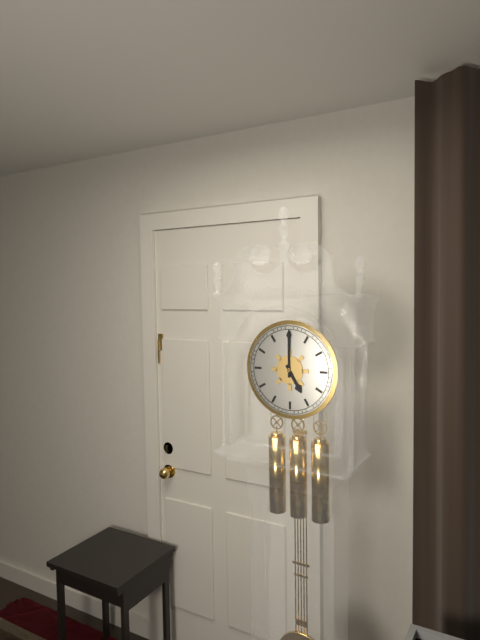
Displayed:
5,00
